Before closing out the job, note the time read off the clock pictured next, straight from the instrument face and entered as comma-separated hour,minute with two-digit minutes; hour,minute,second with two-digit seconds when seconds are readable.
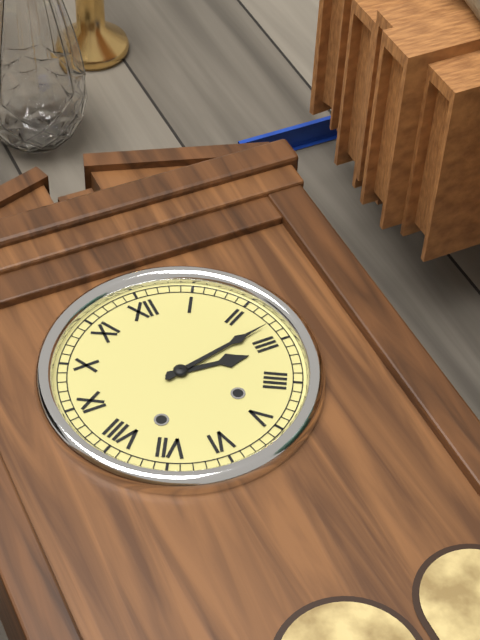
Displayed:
3,13
